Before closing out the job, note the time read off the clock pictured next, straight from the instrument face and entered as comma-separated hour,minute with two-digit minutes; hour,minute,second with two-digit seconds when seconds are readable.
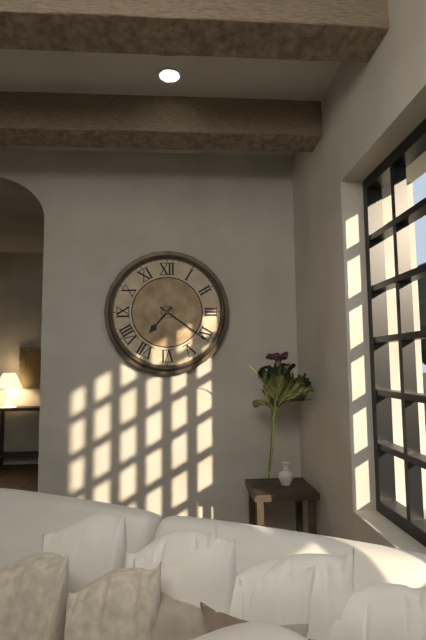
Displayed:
7,21
